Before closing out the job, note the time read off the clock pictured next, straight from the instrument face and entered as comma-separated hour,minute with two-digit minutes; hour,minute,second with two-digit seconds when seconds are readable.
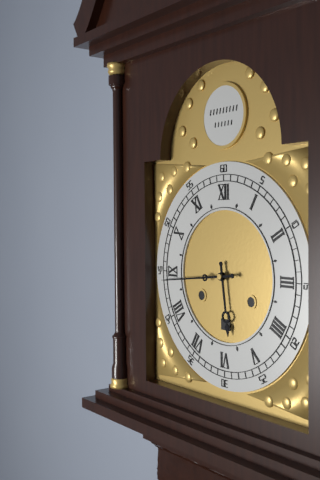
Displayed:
5,44
